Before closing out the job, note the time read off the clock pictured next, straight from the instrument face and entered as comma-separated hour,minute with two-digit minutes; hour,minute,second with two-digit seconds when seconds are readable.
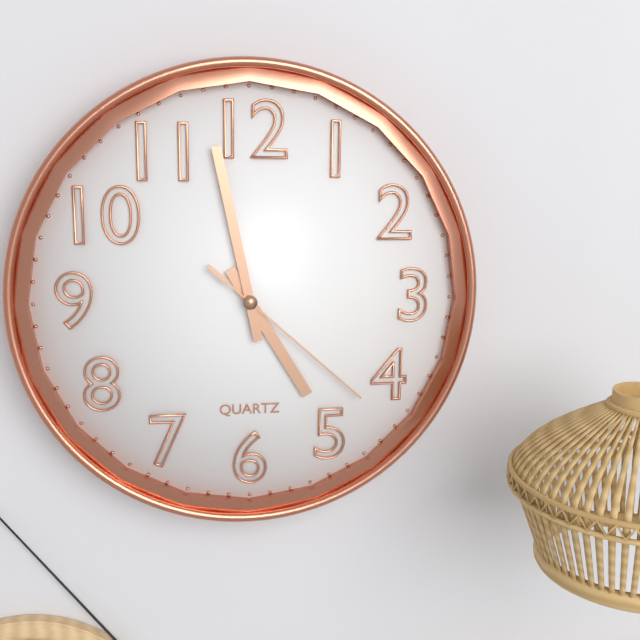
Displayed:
4,58,22
